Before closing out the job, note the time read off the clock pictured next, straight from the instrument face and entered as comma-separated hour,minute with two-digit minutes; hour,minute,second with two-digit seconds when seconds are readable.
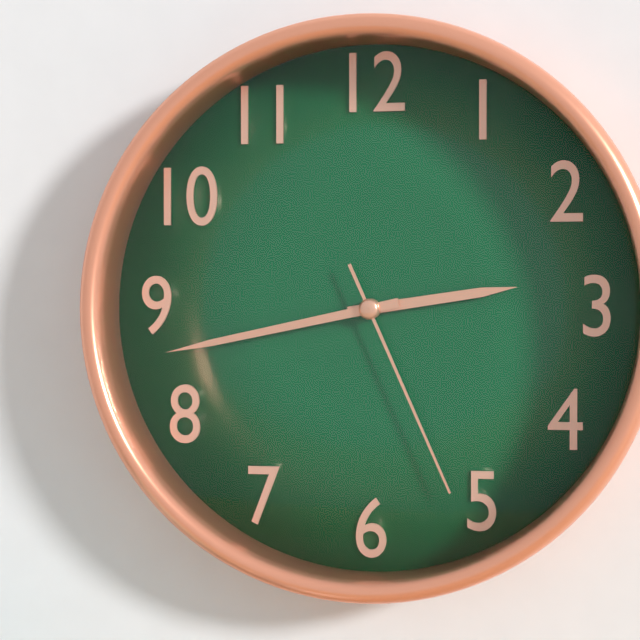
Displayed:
2,43,26
